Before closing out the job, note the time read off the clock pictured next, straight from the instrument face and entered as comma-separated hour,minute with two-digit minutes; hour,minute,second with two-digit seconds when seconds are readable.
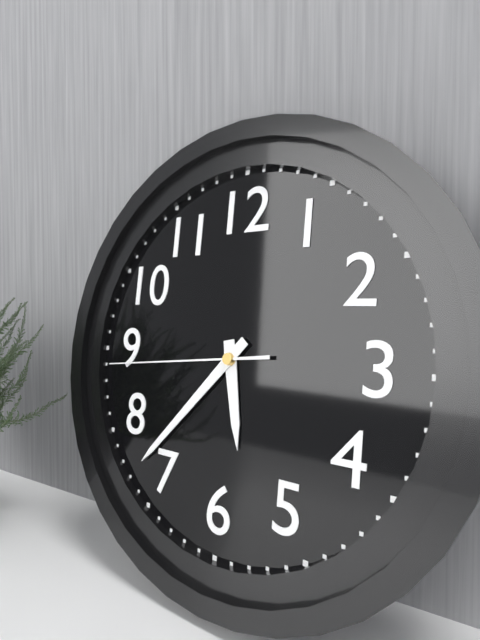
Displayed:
5,37,44
